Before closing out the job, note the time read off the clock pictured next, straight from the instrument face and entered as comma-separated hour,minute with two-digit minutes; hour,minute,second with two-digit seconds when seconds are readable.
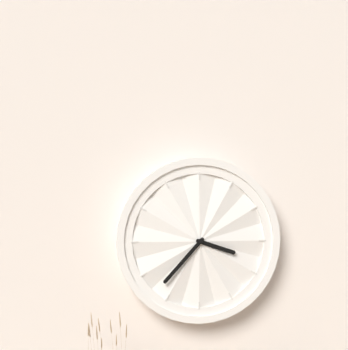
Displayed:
3,37
